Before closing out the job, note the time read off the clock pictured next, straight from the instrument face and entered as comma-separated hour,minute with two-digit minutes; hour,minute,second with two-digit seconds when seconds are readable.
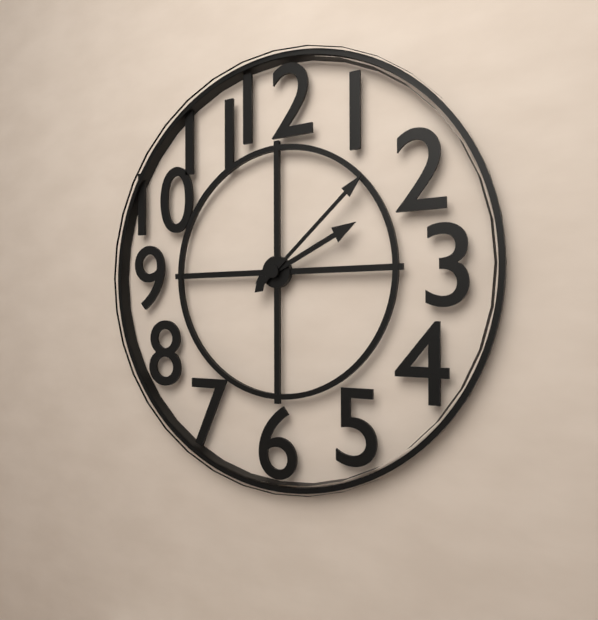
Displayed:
2,08
